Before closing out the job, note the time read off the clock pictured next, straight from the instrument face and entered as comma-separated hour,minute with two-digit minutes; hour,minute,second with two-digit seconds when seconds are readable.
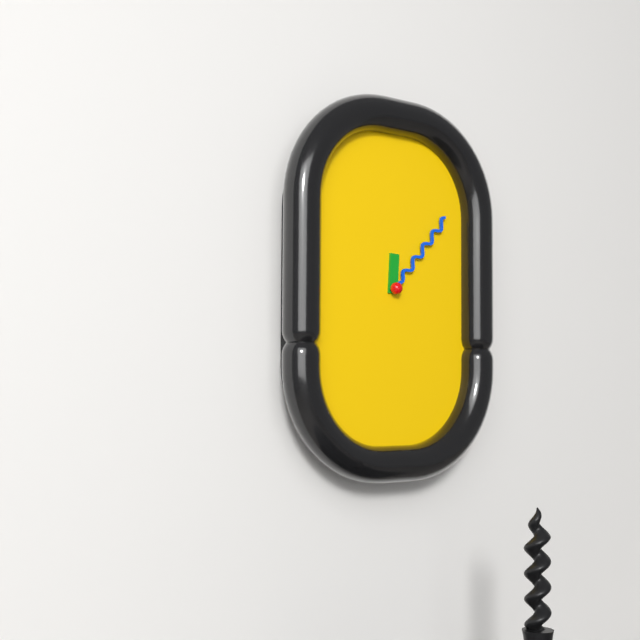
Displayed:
12,07
